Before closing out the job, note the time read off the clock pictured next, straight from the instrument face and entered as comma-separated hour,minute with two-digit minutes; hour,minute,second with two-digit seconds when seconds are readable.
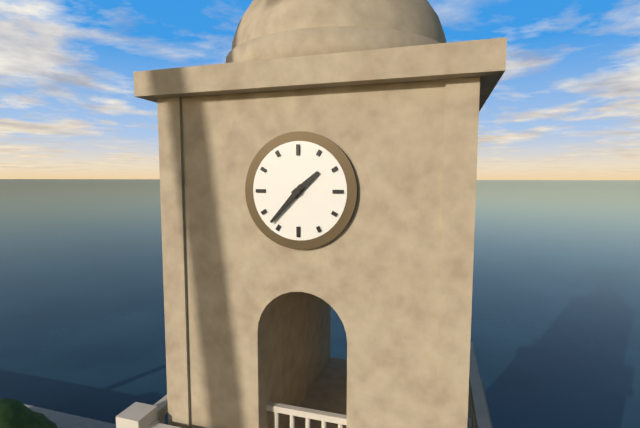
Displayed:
1,37
